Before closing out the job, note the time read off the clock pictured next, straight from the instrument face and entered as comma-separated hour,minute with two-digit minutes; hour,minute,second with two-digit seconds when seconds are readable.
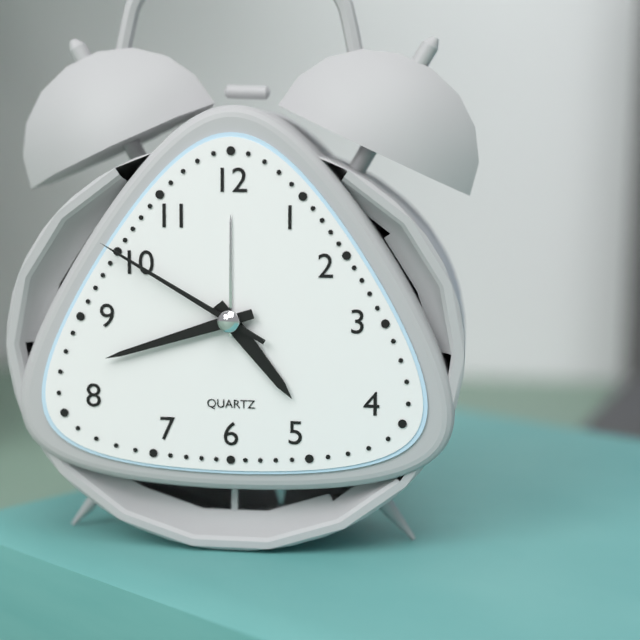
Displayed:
4,42,50
